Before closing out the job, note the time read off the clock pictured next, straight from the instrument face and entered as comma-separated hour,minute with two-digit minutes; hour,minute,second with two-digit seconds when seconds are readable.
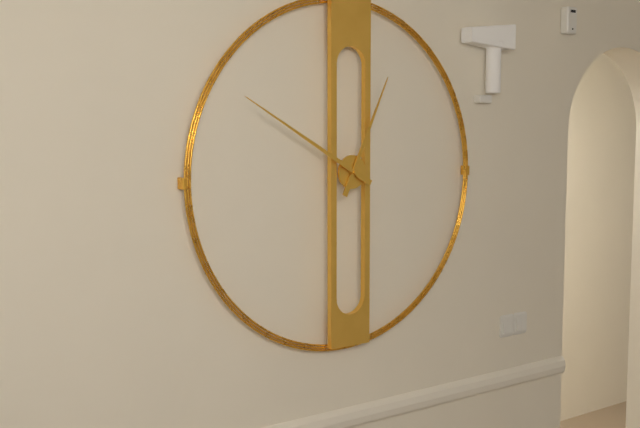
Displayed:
12,50
